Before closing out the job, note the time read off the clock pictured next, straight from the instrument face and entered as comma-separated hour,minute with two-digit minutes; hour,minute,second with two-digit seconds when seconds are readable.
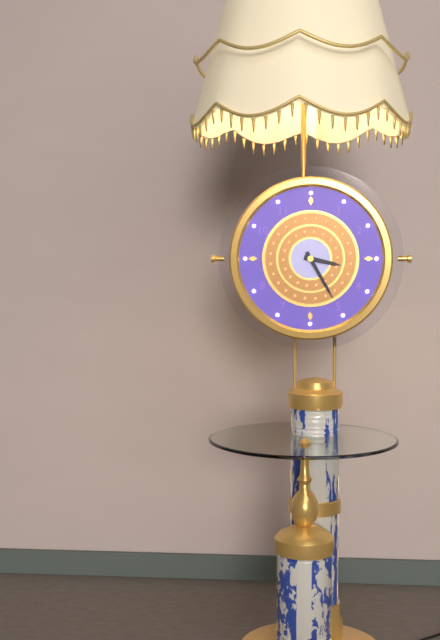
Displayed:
3,25
